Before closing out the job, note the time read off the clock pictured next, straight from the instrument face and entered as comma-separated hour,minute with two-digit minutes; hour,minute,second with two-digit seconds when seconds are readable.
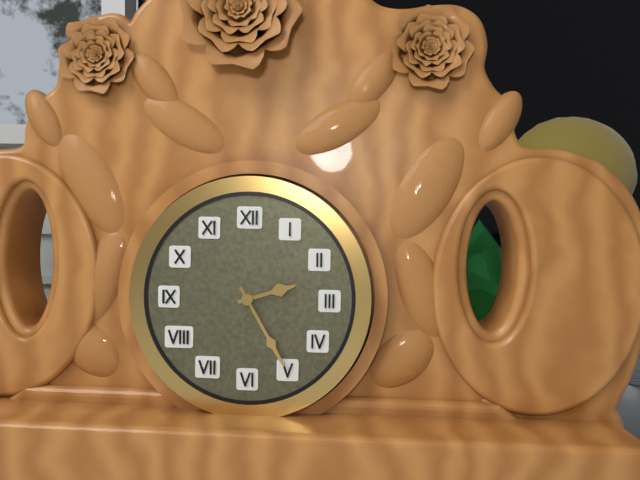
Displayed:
2,25
